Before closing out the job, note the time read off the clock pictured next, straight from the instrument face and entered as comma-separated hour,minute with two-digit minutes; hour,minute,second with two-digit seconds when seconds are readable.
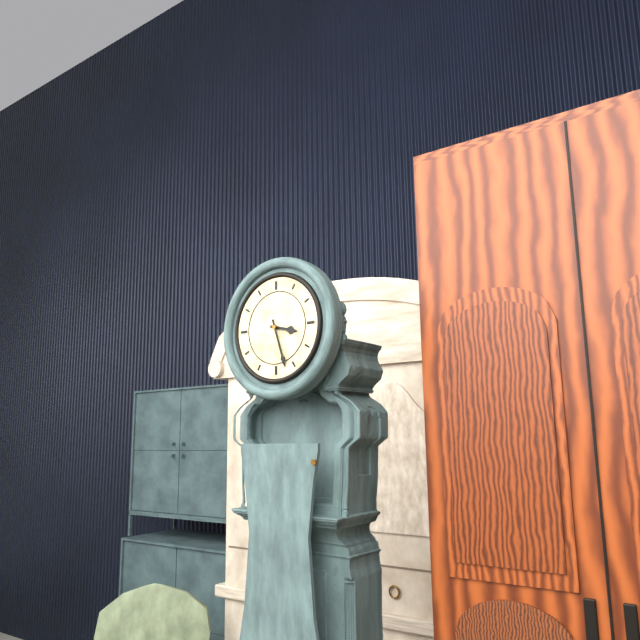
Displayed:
3,27
